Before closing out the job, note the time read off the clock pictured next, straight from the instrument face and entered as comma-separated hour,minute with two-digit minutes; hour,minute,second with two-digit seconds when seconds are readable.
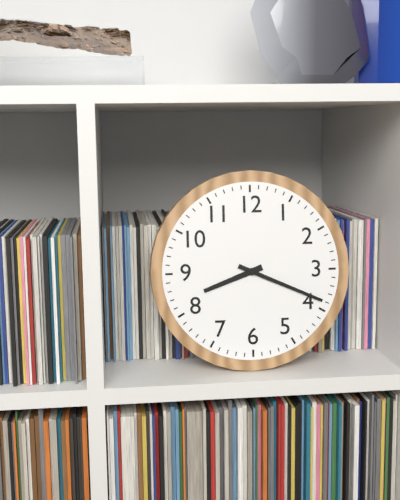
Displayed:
8,19
